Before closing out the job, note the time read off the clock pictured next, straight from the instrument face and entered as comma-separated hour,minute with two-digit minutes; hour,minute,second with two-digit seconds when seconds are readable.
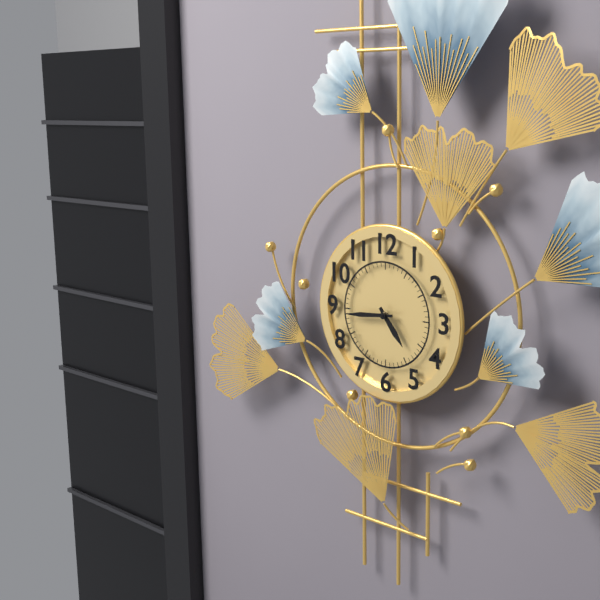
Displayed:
4,44
